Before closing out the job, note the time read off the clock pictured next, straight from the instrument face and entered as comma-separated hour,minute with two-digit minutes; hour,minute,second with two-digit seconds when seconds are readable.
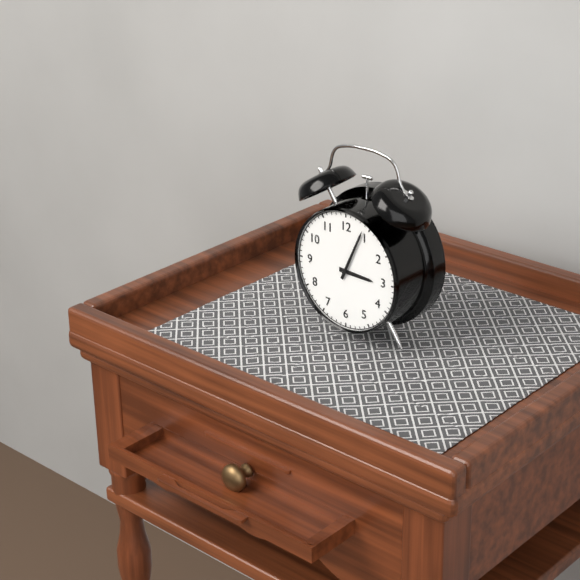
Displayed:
3,04
